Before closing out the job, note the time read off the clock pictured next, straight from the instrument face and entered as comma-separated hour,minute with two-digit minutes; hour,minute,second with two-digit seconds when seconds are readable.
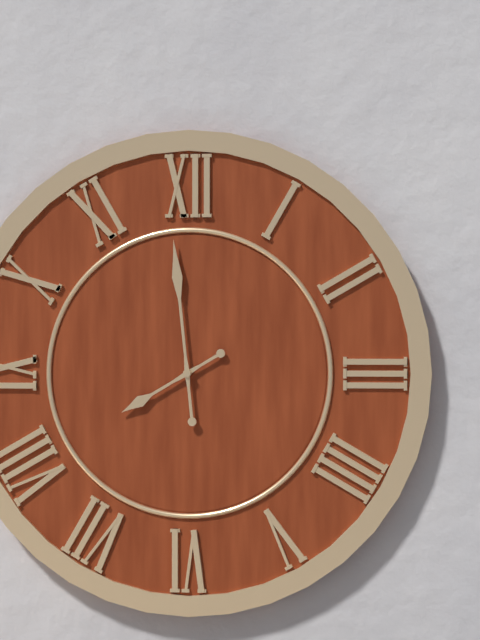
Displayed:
7,59
